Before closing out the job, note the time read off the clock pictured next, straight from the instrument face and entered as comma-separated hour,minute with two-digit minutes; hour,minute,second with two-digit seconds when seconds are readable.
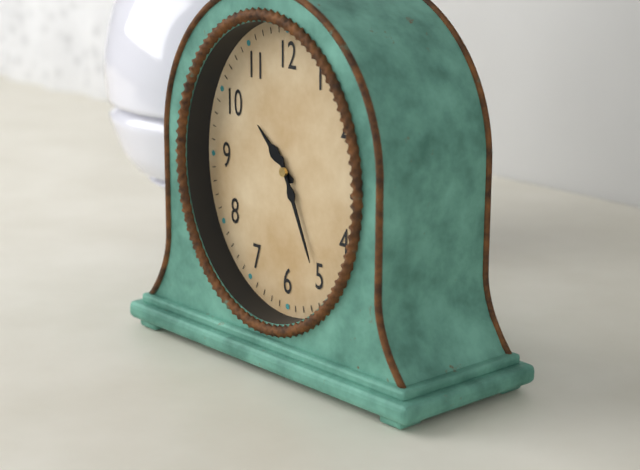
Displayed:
10,26
